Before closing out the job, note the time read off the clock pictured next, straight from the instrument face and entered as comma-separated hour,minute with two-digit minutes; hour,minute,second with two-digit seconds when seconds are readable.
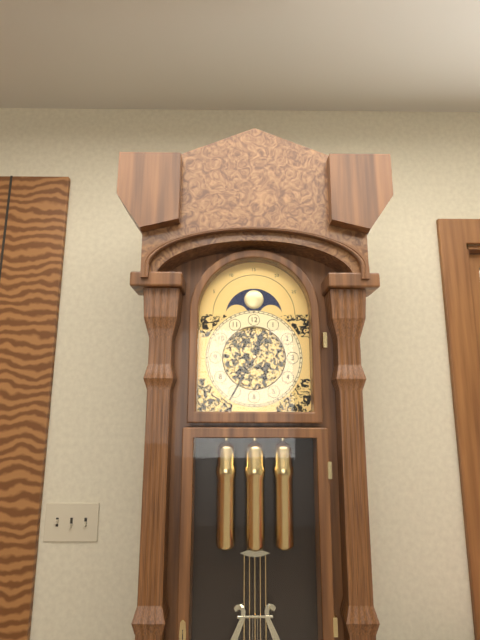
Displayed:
12,35
